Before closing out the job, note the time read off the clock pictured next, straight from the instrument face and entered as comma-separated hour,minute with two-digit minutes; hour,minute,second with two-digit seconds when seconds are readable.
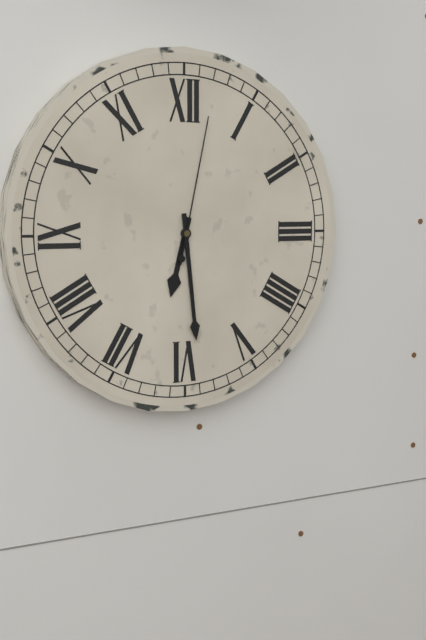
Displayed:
6,29,02
